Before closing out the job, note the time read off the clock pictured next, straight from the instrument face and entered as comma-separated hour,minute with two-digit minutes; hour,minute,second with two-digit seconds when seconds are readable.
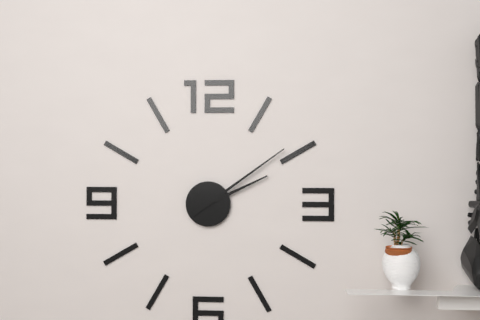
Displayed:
2,09
